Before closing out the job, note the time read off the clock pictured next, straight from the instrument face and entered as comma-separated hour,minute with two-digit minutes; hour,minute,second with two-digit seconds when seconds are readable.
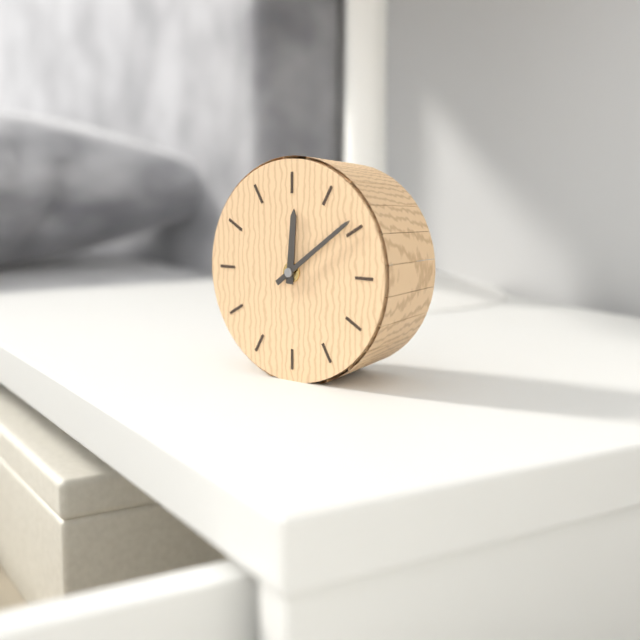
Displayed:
12,09
